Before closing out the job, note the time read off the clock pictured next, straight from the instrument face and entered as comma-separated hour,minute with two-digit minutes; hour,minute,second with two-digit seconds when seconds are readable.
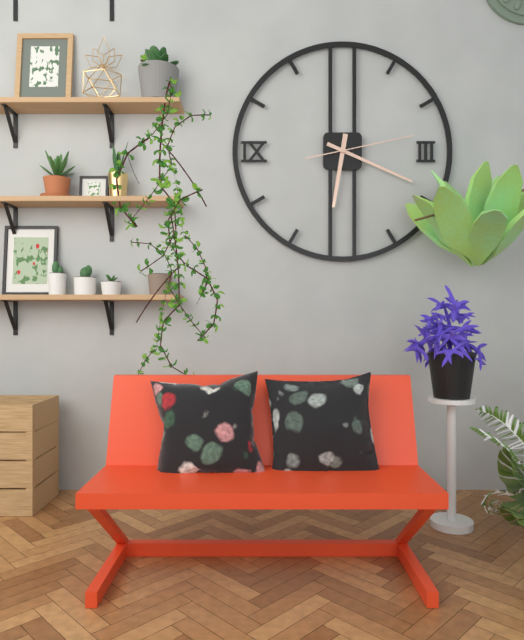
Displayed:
6,19,13
